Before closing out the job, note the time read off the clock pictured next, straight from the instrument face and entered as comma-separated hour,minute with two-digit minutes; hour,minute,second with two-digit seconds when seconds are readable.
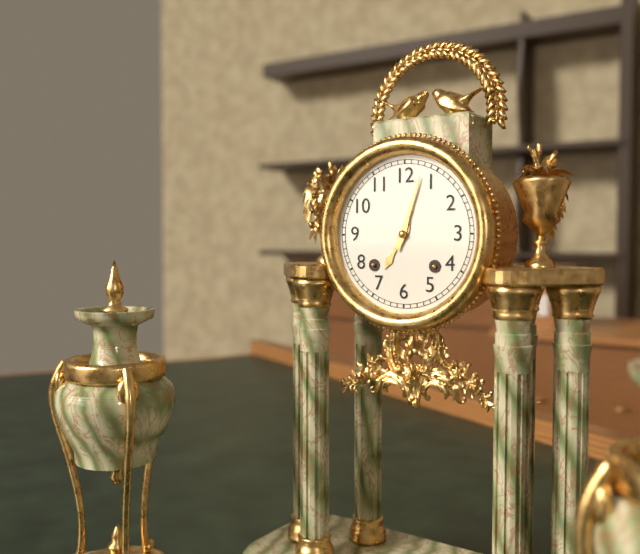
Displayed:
7,03
